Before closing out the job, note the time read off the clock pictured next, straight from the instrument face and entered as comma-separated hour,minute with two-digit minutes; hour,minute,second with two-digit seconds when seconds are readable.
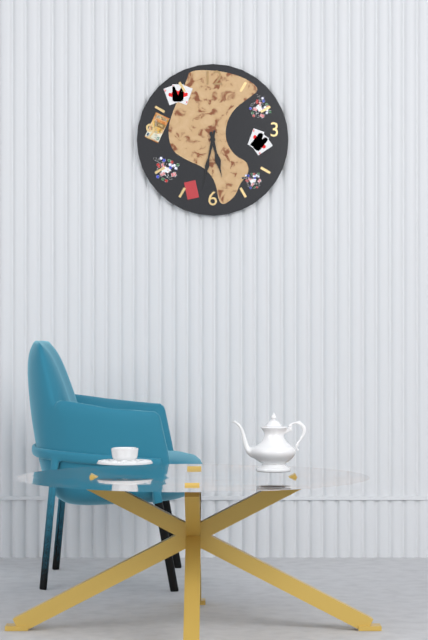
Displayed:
5,32
